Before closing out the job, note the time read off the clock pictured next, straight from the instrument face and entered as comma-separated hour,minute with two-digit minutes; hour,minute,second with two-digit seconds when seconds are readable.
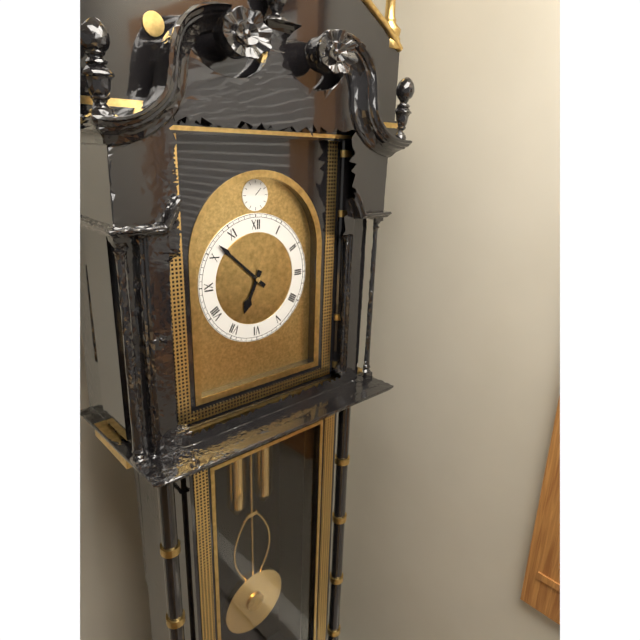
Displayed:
6,52
